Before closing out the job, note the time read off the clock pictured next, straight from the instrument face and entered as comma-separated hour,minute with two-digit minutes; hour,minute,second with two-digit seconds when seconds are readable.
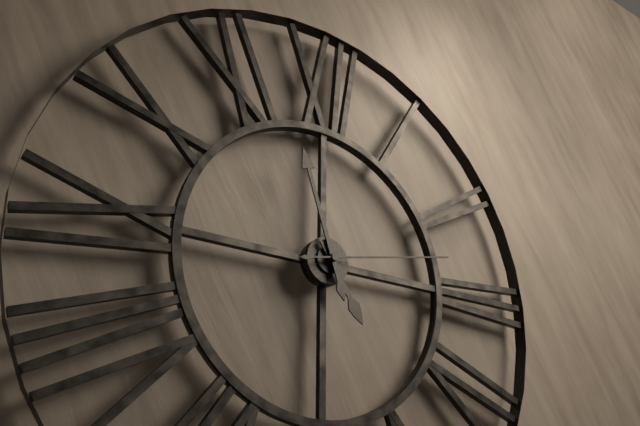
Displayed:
4,57,13
